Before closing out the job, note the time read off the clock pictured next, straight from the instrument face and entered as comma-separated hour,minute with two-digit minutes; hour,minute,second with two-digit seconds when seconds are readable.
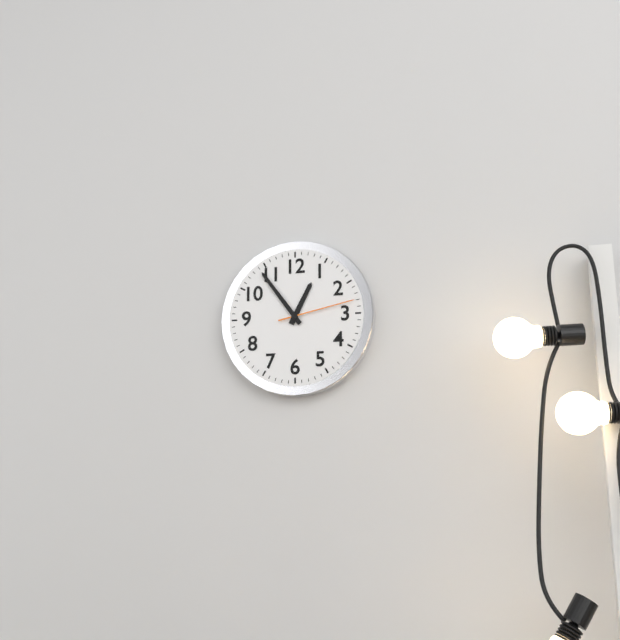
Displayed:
12,54,13
